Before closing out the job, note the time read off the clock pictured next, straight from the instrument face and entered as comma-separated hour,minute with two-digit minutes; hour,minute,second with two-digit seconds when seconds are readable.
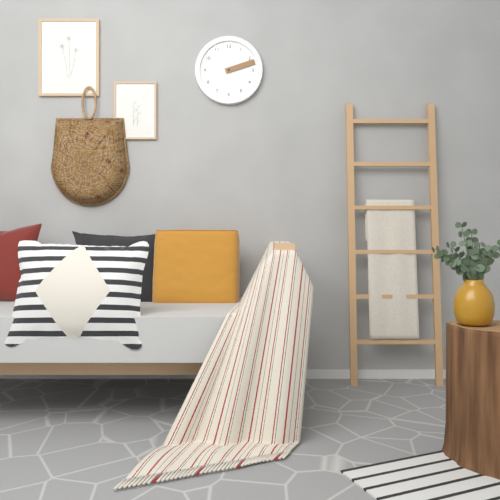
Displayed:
2,12
